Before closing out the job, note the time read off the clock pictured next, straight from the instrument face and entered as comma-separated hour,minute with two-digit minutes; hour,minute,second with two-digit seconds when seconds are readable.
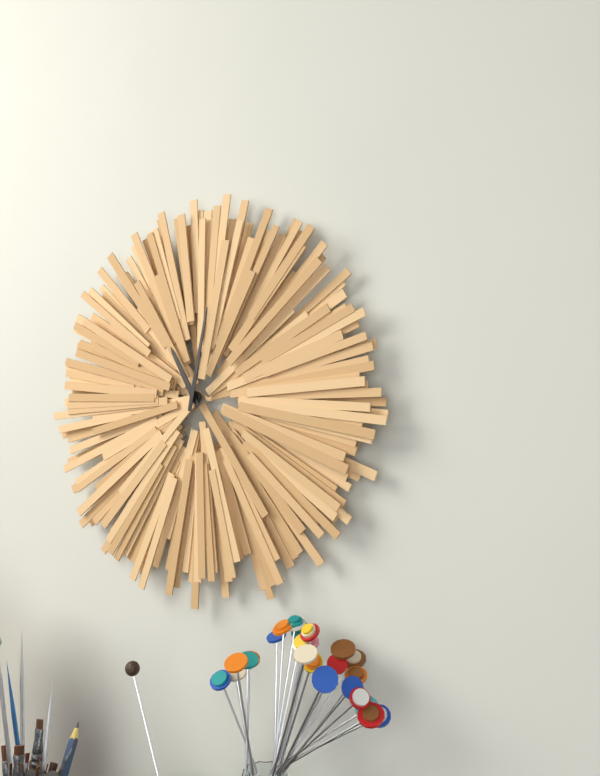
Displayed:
11,02
